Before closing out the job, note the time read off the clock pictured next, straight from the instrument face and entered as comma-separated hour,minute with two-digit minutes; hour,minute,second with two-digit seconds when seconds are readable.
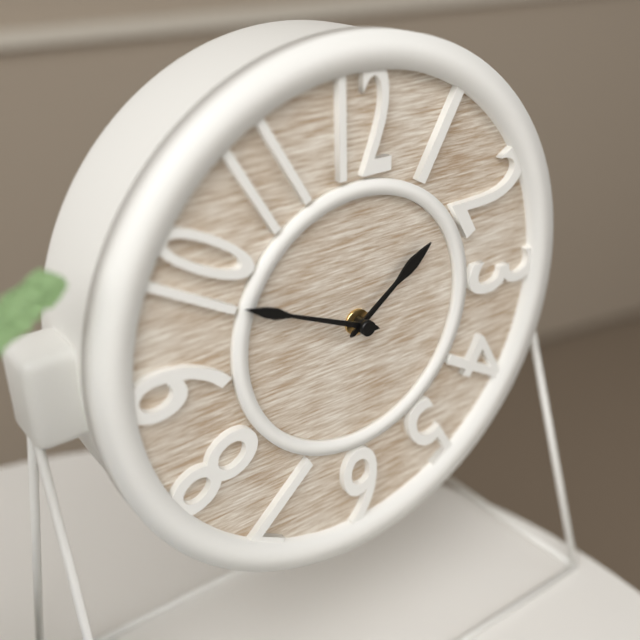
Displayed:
1,49
